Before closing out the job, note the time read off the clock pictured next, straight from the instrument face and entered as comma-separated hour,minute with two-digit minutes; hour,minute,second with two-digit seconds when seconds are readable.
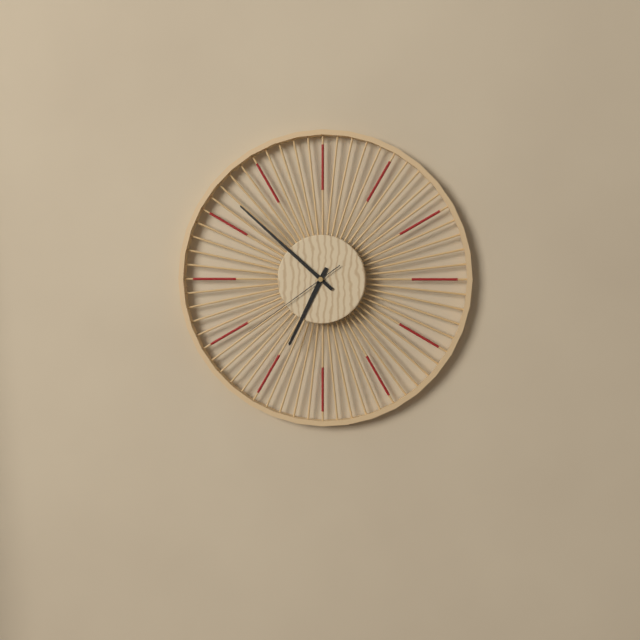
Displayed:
6,52,39
